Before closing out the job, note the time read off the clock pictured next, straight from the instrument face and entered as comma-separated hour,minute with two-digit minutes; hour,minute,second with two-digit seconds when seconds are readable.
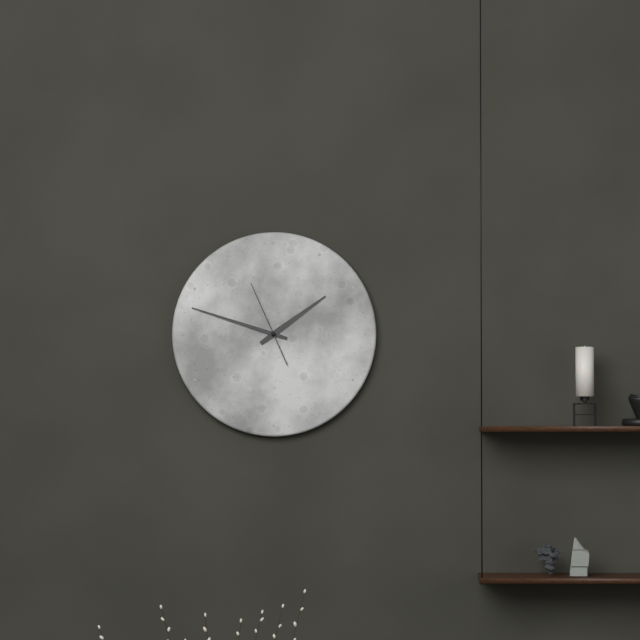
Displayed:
1,48,56
